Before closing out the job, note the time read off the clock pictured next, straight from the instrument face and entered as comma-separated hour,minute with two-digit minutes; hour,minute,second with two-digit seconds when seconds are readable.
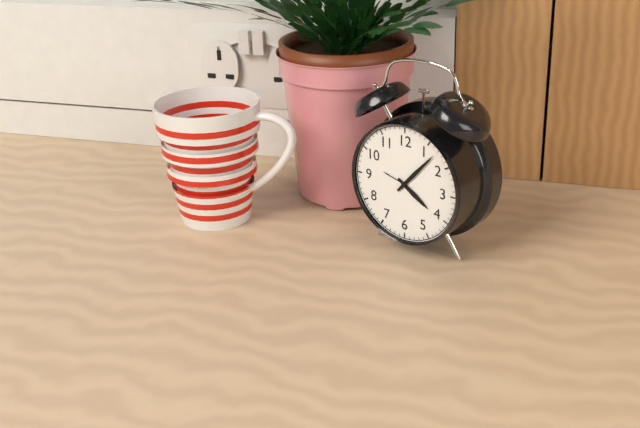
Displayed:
4,07
